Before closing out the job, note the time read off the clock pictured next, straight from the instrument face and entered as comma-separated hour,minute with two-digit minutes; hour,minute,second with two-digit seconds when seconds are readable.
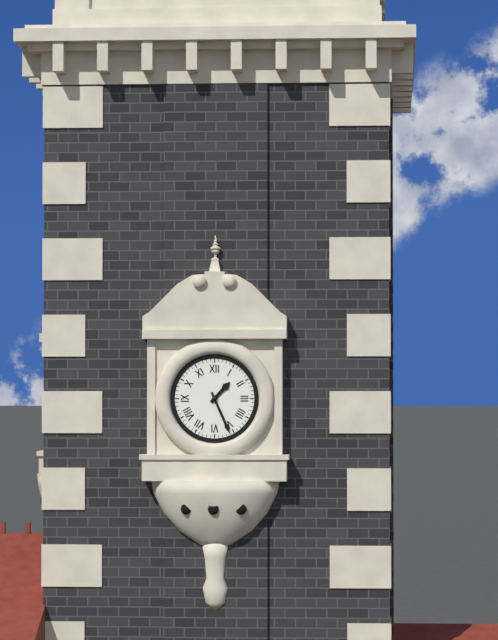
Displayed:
1,26
